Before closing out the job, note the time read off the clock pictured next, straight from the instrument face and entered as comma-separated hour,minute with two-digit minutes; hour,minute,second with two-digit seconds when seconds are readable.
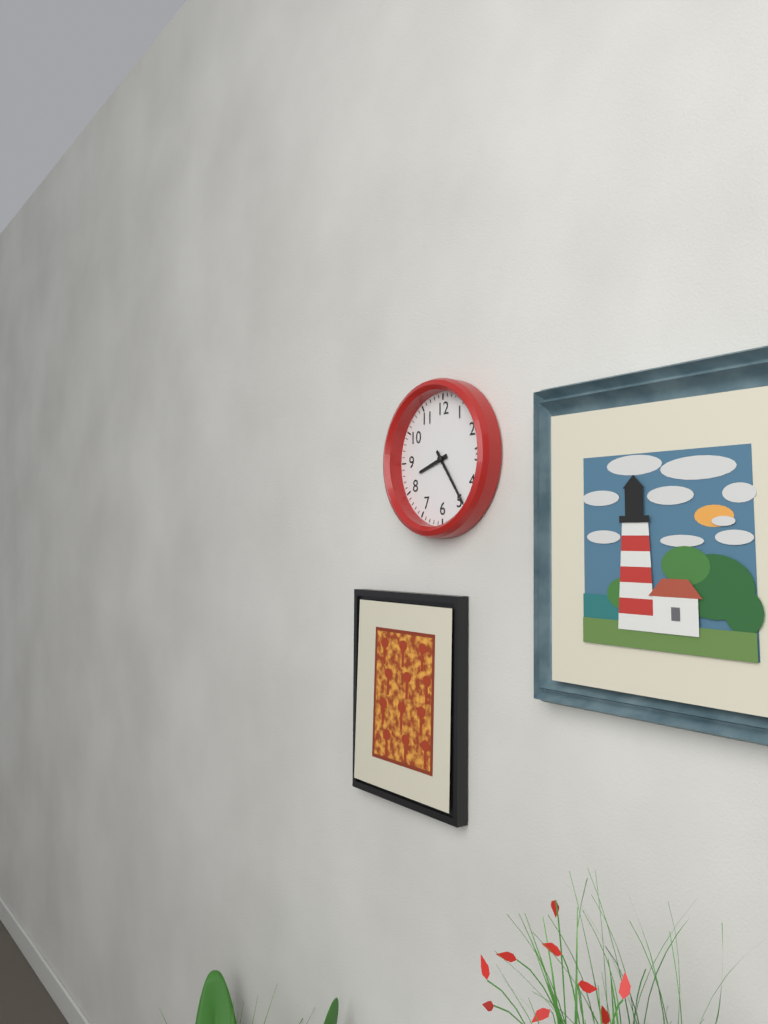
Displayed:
8,24
